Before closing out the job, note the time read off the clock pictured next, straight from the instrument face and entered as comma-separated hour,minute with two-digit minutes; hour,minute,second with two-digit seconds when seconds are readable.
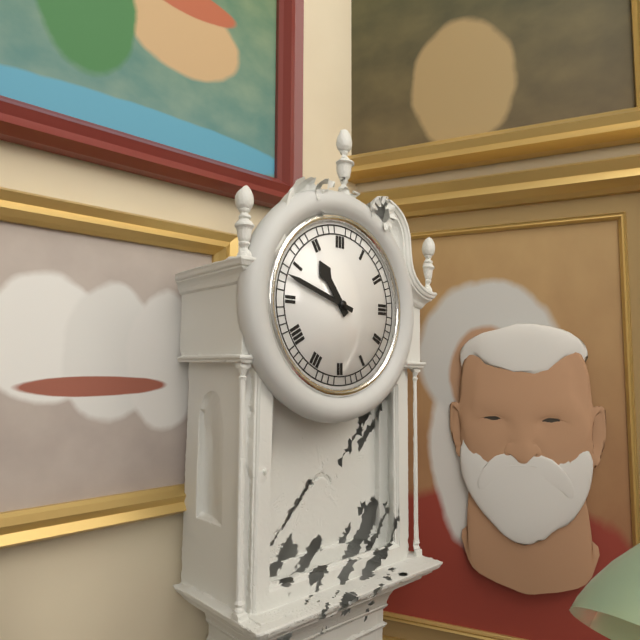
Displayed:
10,48
